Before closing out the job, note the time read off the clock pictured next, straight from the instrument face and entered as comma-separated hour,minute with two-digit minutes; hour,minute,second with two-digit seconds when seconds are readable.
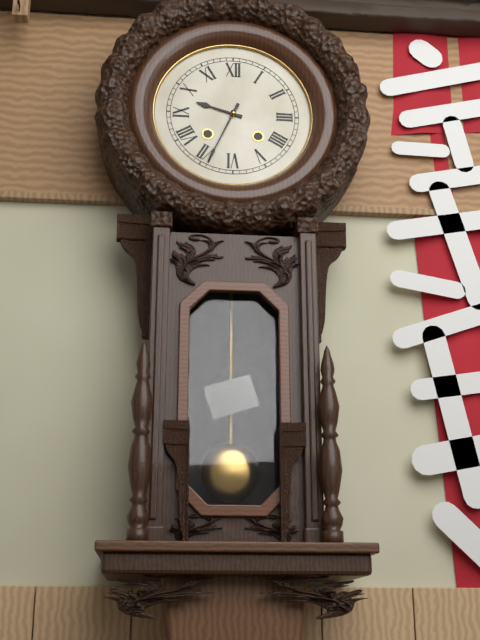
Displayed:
9,34
